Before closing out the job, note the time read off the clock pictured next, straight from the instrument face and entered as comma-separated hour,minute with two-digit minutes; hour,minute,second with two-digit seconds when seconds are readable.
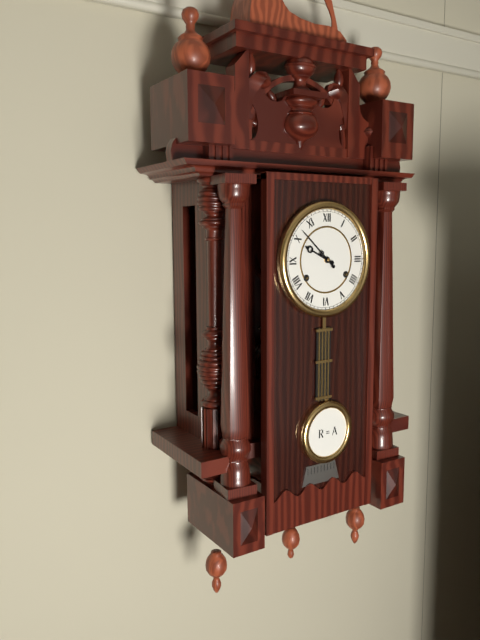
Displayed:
9,52
